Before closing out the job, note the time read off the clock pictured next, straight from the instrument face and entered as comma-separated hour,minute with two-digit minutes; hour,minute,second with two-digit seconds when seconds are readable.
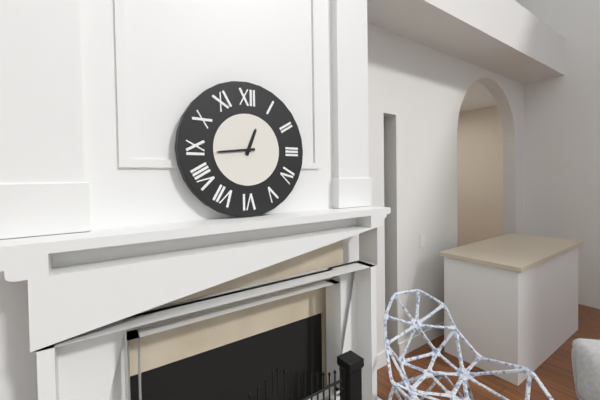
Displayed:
12,44
